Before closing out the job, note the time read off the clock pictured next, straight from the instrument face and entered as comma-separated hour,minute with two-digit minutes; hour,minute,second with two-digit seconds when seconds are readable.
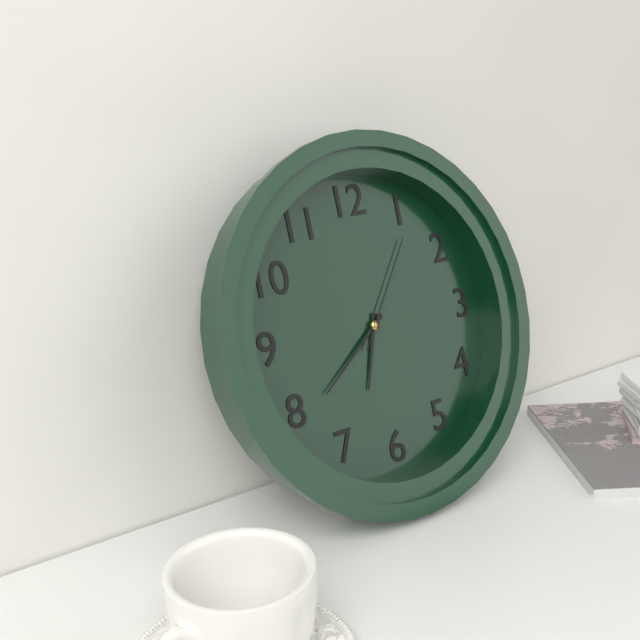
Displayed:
6,39,06
